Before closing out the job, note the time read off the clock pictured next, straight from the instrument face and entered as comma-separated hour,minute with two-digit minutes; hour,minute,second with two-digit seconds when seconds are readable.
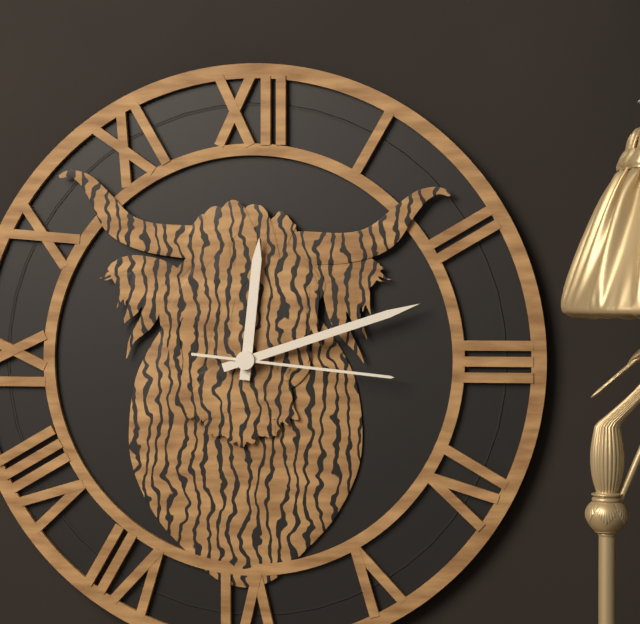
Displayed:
12,12,16
